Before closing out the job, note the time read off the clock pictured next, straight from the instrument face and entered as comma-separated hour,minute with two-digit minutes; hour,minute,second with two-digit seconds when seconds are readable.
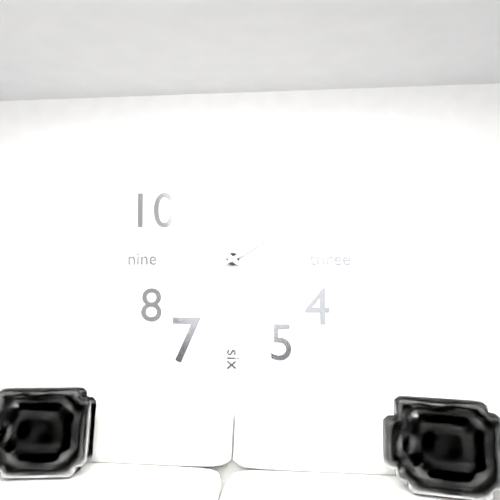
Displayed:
10,10
